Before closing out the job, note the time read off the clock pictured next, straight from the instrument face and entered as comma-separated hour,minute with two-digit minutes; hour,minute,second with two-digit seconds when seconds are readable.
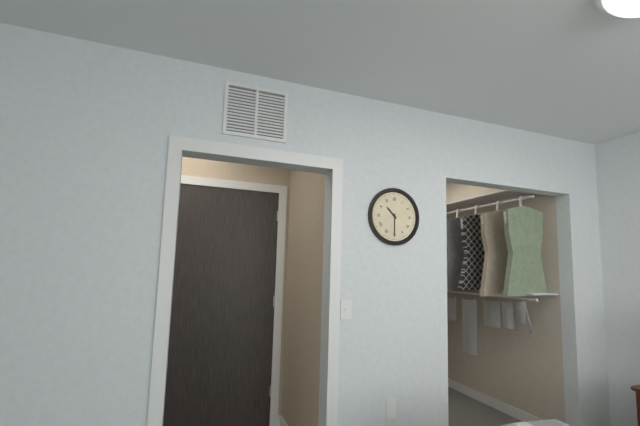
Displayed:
10,30
